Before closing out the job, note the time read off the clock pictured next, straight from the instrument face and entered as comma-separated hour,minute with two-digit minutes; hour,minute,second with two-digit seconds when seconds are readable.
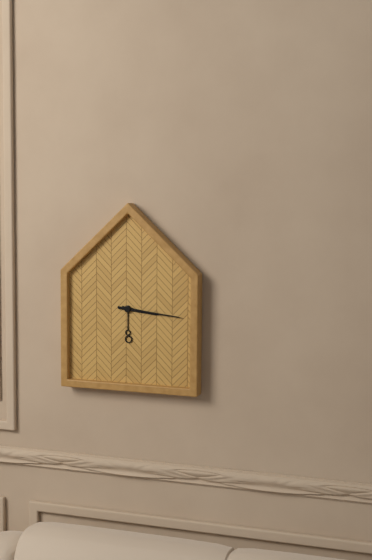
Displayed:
3,16
